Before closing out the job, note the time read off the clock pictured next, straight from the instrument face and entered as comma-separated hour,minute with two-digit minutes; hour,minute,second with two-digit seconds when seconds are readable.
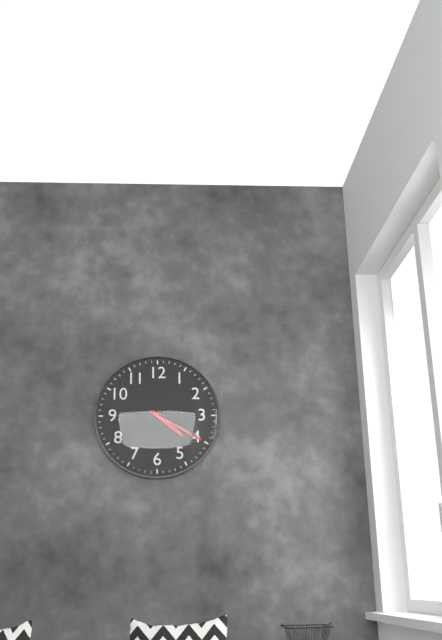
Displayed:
4,20
